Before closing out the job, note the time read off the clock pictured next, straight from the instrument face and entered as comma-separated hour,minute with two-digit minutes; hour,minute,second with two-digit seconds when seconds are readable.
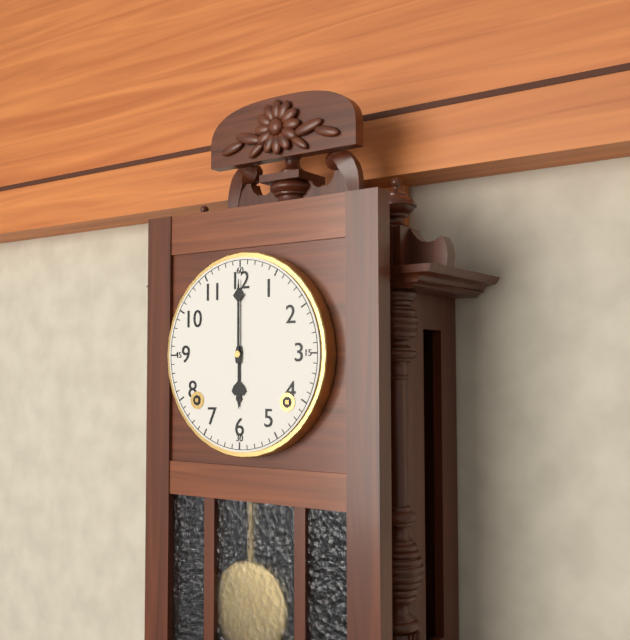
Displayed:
6,00
